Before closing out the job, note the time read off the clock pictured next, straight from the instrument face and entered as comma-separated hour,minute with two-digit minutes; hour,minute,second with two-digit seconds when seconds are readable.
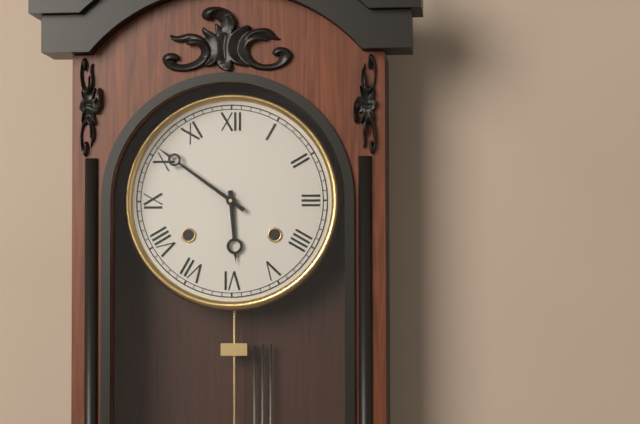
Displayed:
5,51
